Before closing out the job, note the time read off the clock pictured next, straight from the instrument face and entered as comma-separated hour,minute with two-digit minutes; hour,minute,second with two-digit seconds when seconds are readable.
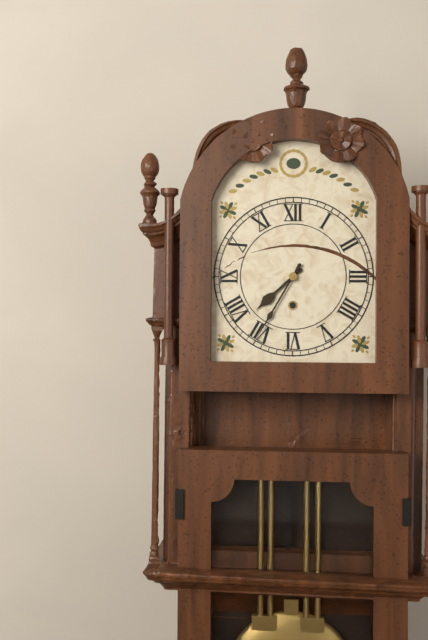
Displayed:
7,35
